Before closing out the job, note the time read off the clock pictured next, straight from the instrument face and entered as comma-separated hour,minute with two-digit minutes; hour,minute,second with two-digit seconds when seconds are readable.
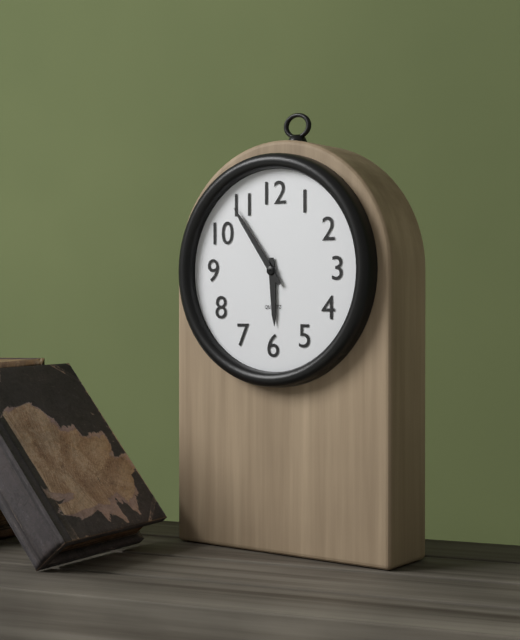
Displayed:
5,54
